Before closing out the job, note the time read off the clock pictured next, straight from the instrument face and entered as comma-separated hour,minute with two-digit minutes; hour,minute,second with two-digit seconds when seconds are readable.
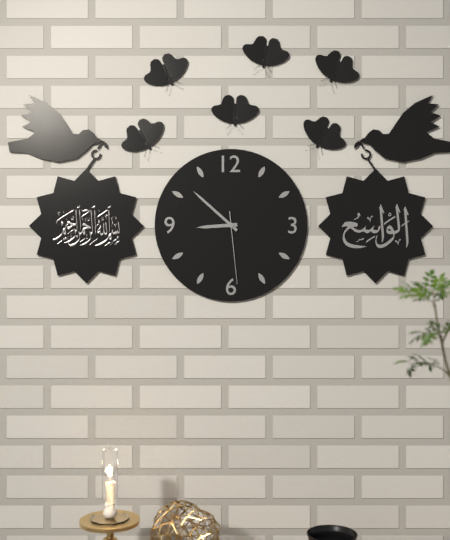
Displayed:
8,52,29
